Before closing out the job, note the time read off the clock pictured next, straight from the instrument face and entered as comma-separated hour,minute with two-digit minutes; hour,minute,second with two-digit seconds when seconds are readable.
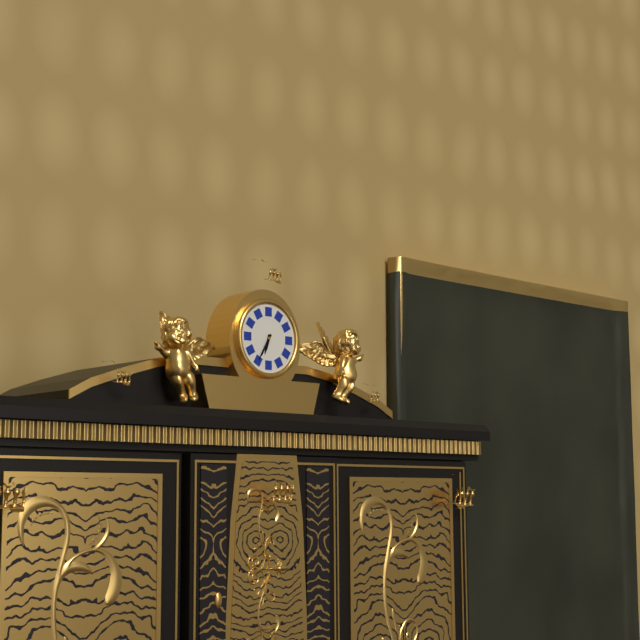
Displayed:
6,35
